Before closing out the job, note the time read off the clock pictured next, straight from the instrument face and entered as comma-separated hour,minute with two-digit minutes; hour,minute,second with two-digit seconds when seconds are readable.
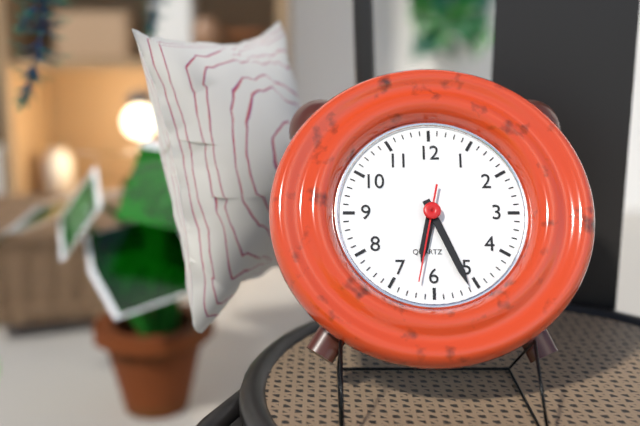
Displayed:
6,26,32
